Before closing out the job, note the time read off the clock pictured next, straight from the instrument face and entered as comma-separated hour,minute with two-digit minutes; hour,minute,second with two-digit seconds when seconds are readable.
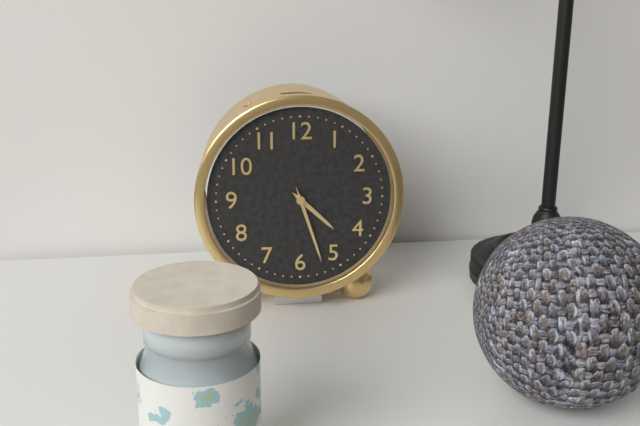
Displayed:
4,27
